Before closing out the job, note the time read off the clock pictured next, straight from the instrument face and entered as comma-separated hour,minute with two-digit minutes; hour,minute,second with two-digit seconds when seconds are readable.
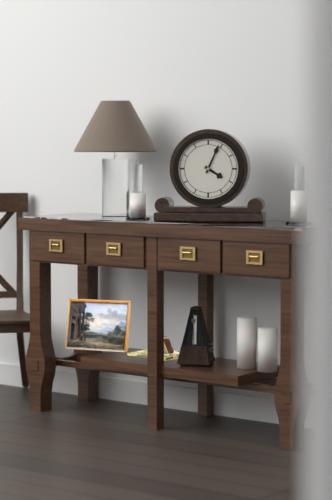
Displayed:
4,04
